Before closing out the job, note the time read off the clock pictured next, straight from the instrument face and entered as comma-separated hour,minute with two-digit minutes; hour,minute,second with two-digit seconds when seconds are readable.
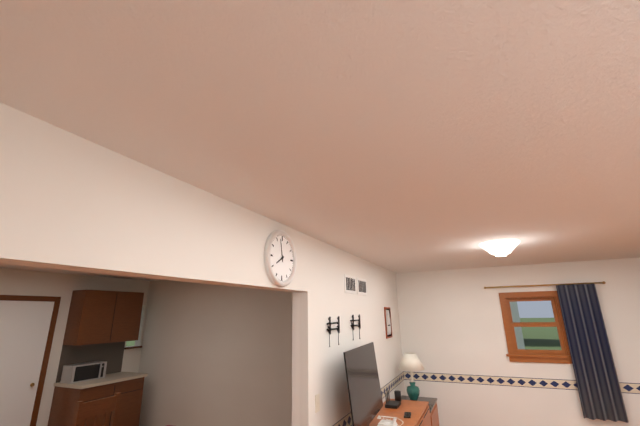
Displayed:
7,58
